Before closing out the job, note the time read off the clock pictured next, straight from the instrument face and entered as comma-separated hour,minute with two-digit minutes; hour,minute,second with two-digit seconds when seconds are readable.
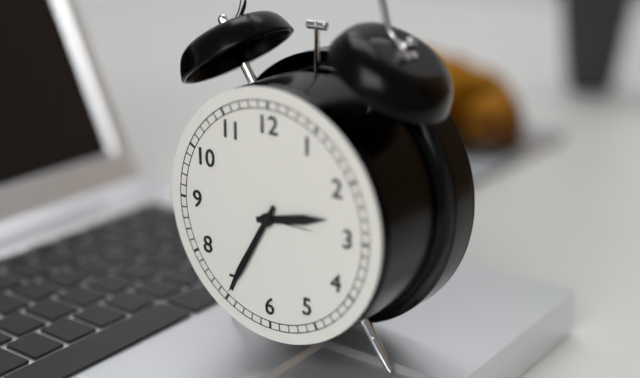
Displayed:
2,35
